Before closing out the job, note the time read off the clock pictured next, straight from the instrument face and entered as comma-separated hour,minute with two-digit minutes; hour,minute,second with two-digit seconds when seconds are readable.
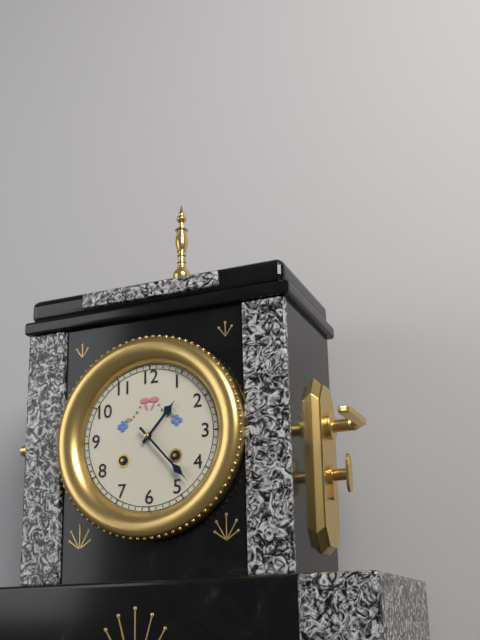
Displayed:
1,23
